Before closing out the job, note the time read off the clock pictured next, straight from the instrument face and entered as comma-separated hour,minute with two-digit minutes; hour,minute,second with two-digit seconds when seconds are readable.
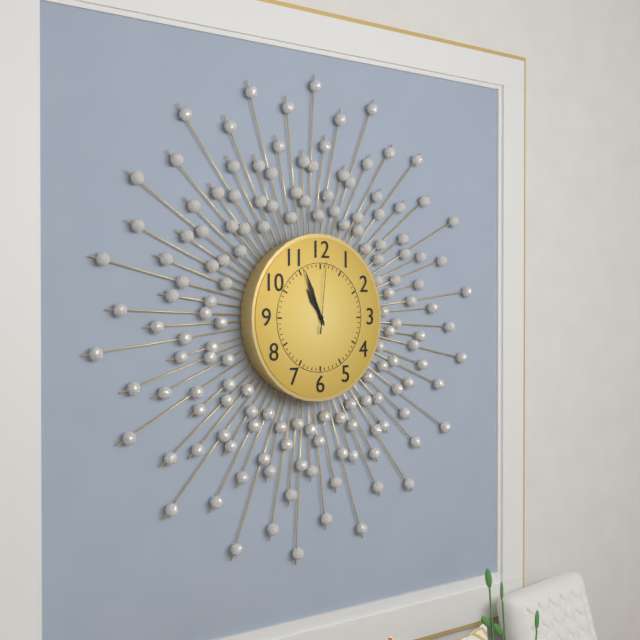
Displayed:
10,56,01
